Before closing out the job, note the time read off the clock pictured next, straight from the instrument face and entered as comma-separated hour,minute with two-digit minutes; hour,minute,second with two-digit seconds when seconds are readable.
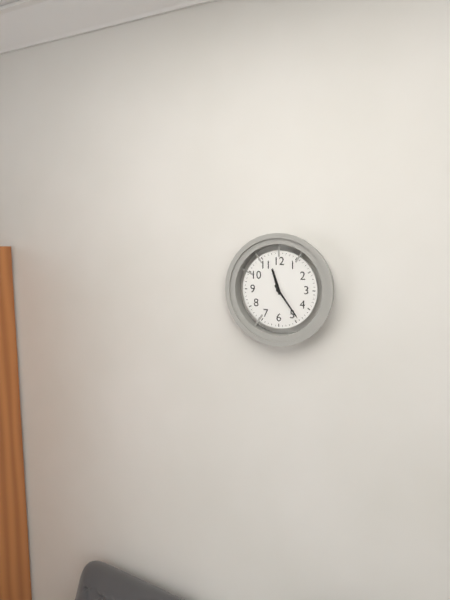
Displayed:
11,24
